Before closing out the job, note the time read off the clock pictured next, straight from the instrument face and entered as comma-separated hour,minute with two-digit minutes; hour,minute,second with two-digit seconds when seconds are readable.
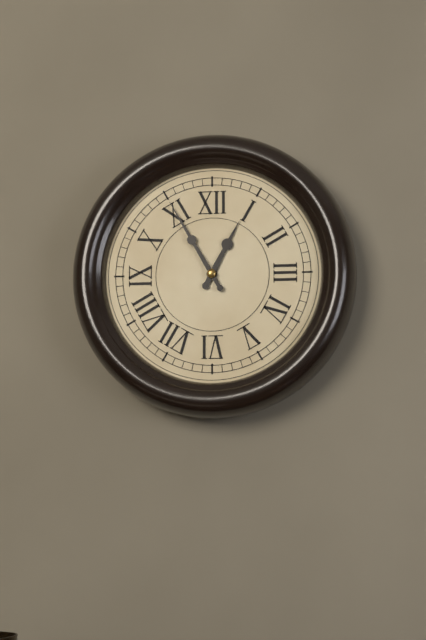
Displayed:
12,55
